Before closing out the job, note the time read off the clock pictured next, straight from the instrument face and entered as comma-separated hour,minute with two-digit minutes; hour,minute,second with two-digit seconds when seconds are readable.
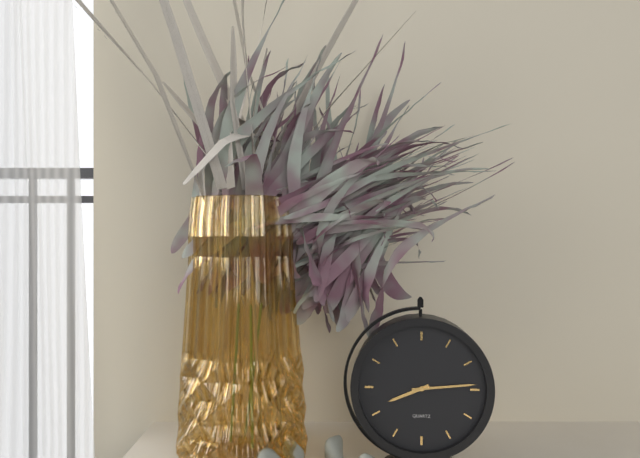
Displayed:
8,14
